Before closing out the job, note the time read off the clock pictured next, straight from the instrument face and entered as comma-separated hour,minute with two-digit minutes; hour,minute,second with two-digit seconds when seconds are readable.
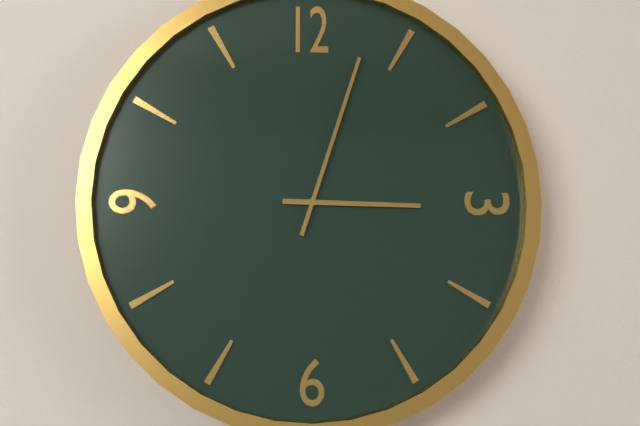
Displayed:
3,03
